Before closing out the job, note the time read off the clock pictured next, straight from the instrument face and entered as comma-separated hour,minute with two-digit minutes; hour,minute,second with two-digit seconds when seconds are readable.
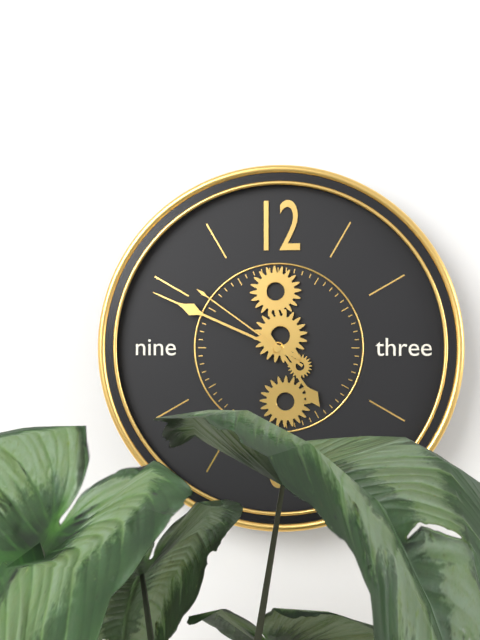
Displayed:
4,49,51
